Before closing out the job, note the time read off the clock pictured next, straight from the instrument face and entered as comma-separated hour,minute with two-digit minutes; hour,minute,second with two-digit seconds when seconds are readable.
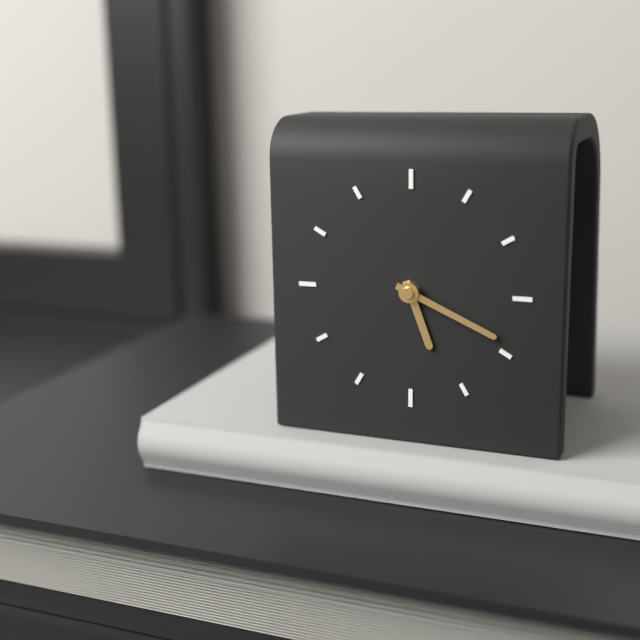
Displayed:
5,19
